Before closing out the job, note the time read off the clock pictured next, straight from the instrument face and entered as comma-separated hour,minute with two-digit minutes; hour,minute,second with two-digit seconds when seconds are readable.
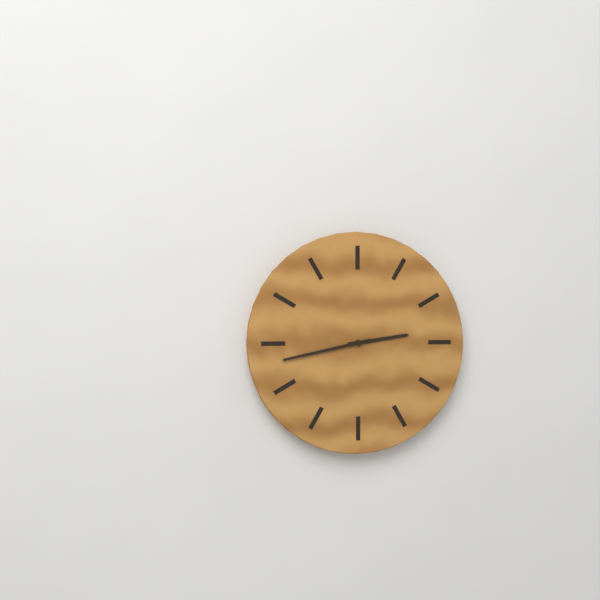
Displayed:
2,43
